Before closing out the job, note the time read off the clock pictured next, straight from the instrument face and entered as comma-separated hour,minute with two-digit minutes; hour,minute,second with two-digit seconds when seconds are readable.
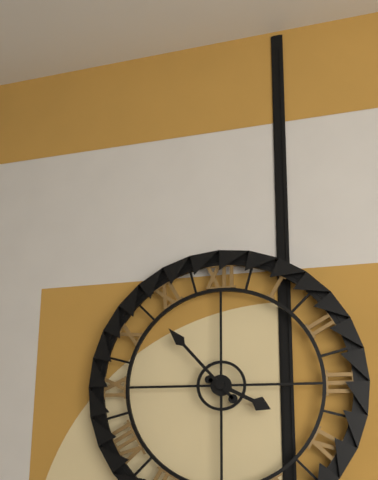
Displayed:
3,53
